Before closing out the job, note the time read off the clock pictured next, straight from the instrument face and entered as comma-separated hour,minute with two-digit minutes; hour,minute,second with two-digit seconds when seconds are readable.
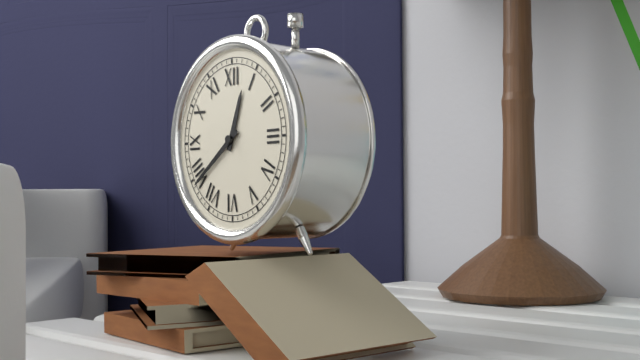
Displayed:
12,39
